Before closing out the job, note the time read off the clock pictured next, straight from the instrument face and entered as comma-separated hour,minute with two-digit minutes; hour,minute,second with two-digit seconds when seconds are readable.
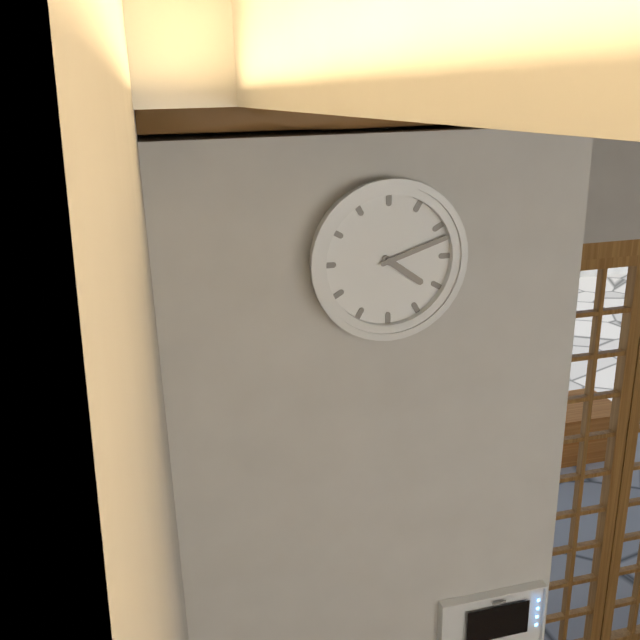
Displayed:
4,12
